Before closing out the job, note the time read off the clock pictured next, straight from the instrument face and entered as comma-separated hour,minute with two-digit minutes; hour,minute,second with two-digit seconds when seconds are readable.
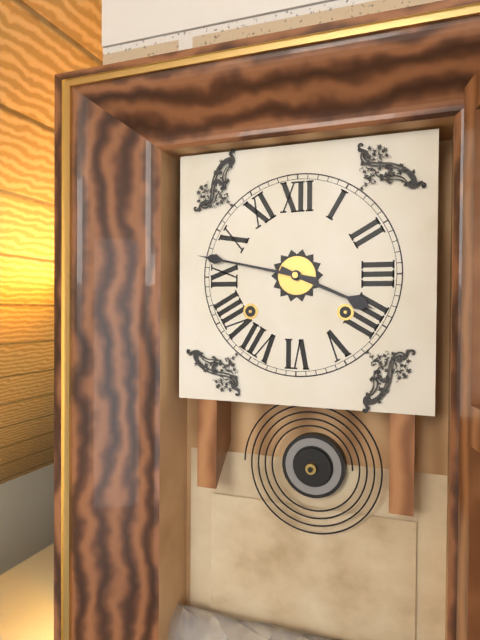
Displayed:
3,47
